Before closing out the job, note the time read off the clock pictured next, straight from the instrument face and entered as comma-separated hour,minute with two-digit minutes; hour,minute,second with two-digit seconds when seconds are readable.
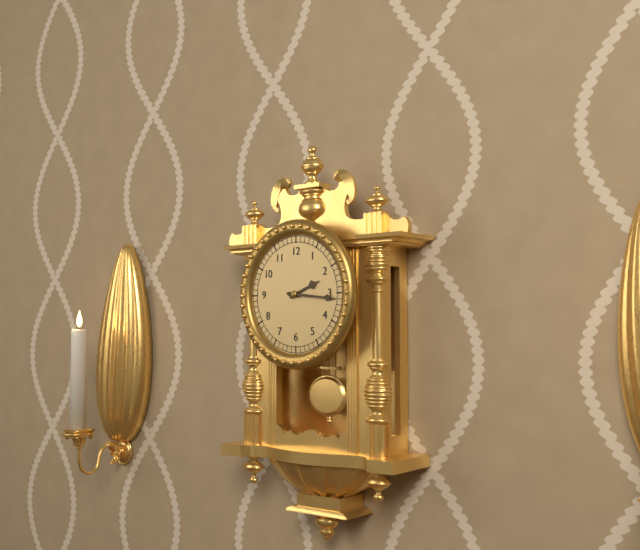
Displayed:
2,16
